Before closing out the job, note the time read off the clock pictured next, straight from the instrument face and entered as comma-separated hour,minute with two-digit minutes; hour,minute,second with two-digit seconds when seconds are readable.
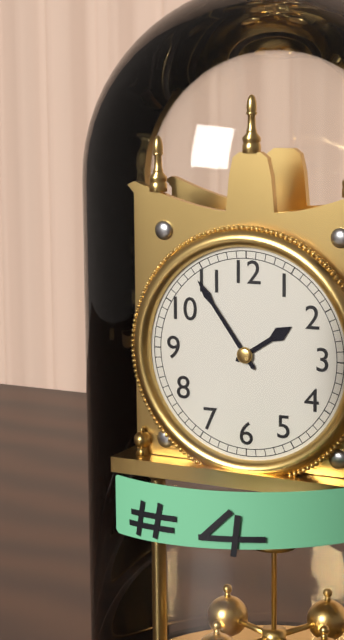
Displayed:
1,54
